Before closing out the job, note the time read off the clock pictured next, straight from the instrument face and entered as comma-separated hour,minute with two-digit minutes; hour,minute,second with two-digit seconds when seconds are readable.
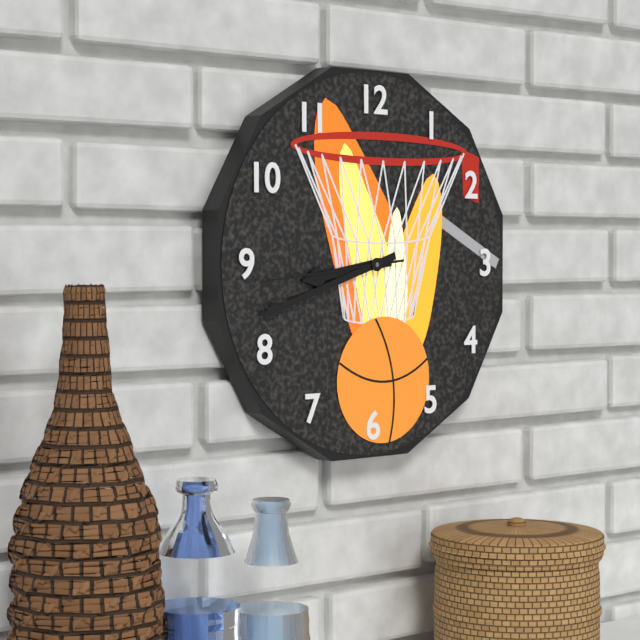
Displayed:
8,42,44
